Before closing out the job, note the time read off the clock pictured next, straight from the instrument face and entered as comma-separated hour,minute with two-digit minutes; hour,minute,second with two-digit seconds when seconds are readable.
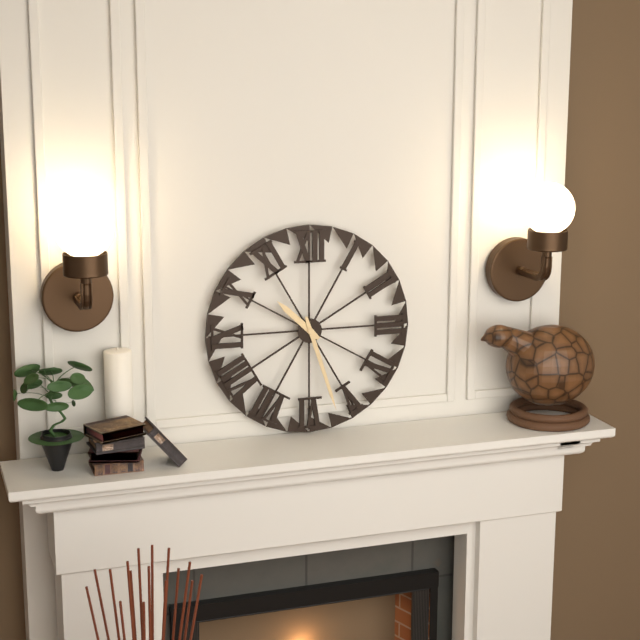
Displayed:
10,27
